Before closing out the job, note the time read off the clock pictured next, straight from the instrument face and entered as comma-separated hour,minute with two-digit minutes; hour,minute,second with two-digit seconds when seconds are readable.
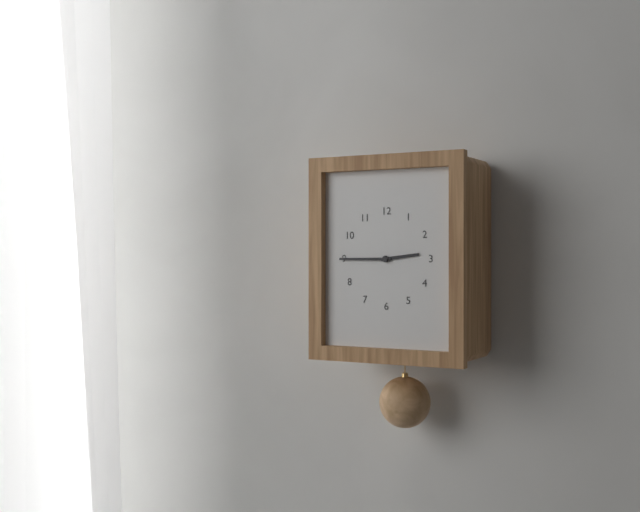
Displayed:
2,45
